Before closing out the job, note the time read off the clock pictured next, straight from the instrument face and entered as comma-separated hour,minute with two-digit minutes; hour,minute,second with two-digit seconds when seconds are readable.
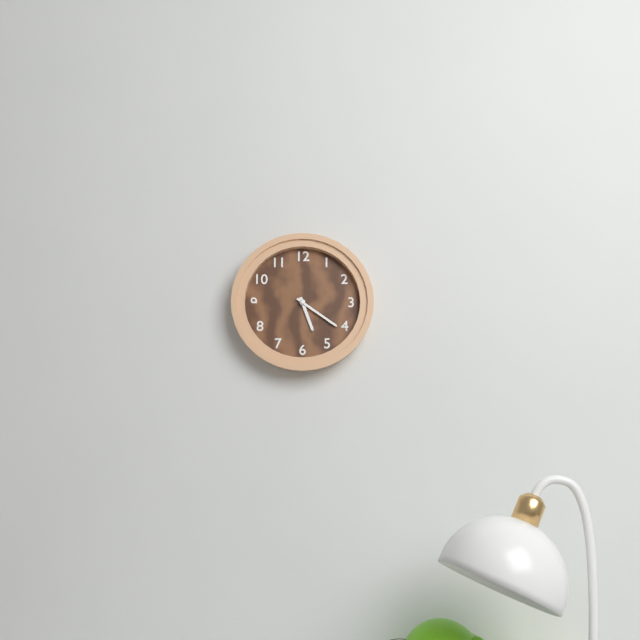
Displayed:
5,21
